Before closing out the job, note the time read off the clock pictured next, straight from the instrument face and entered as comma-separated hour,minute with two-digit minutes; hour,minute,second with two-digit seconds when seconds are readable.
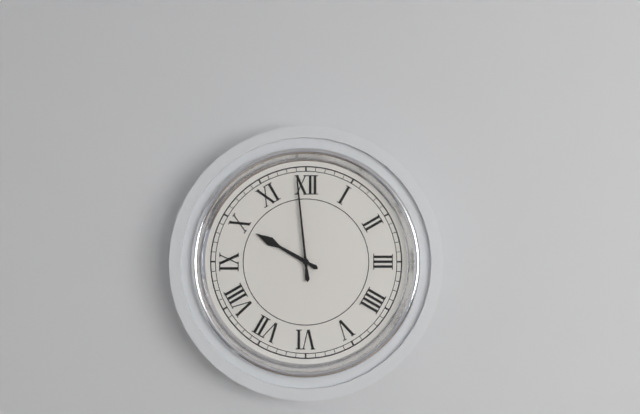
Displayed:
9,59
